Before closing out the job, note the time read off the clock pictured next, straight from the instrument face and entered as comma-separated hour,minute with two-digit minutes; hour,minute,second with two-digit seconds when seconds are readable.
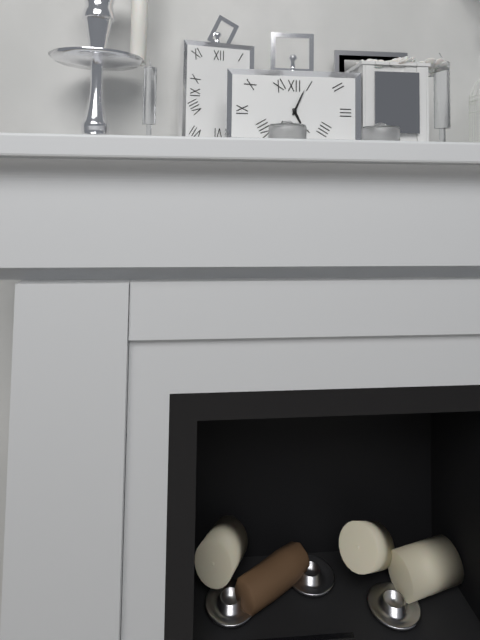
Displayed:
5,04
